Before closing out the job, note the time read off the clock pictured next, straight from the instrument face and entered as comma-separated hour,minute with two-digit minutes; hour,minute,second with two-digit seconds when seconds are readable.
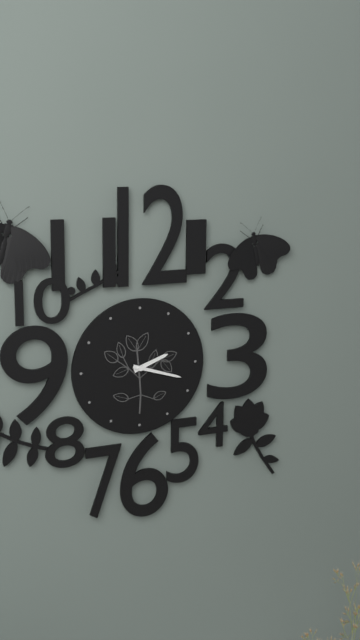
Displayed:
2,18
